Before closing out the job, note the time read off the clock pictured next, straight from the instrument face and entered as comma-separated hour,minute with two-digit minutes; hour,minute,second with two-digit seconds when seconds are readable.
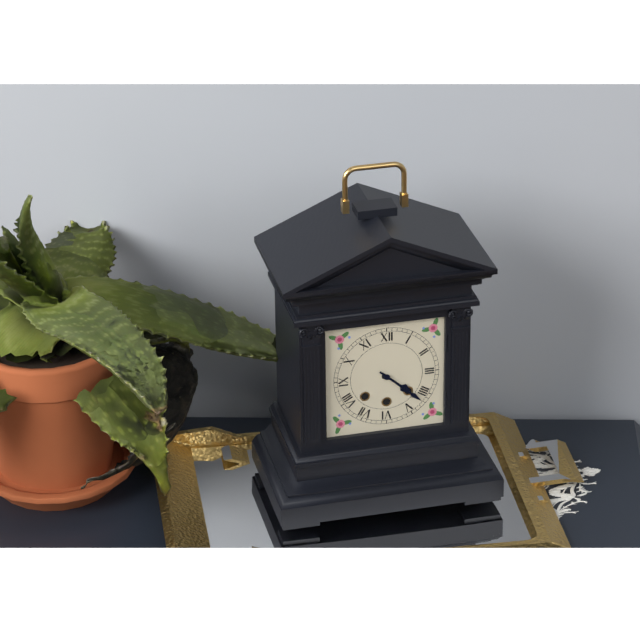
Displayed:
4,22
